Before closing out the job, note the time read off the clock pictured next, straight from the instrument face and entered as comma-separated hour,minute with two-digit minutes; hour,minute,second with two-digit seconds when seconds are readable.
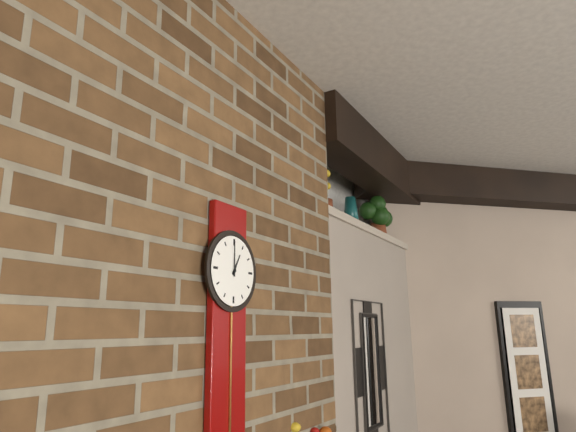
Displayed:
1,00
